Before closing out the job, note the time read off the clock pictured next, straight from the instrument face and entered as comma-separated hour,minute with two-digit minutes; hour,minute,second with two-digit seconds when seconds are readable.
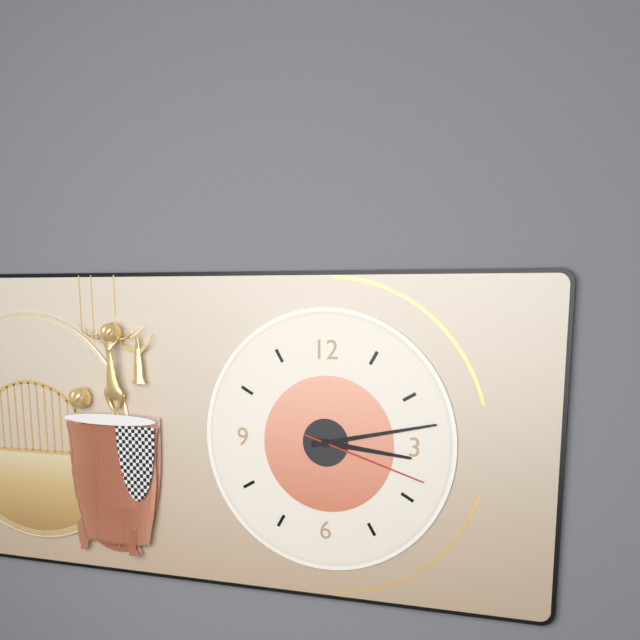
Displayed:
3,13,18
